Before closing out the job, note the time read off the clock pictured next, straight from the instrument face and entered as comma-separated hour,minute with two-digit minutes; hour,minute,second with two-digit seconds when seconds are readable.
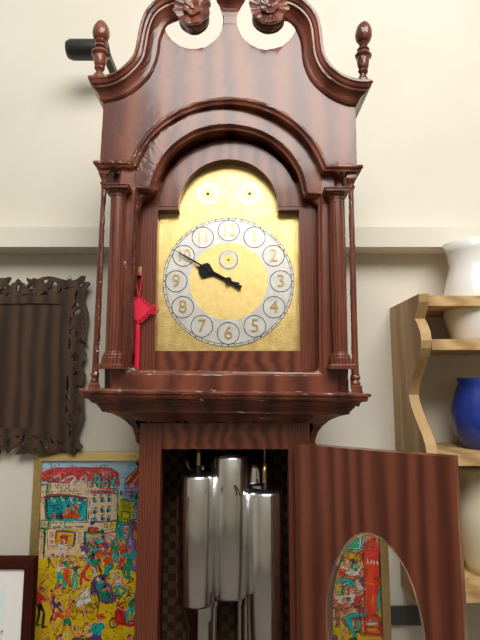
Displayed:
9,50
